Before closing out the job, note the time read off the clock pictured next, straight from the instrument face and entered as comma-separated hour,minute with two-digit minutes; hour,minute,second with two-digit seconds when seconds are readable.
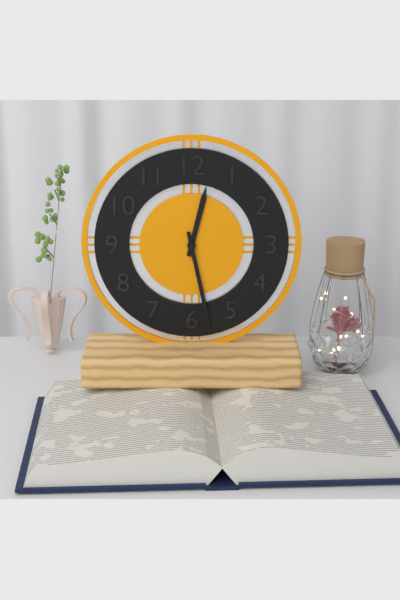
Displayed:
12,28
